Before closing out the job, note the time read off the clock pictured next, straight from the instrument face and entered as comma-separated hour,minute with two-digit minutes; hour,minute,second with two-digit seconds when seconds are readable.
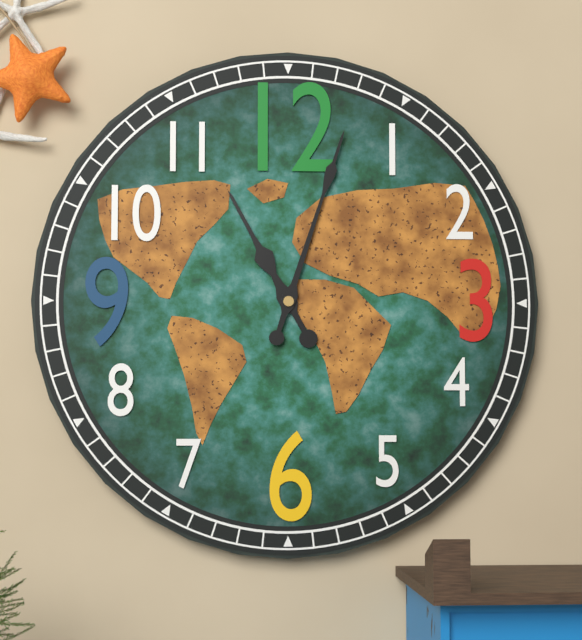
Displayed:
11,03
